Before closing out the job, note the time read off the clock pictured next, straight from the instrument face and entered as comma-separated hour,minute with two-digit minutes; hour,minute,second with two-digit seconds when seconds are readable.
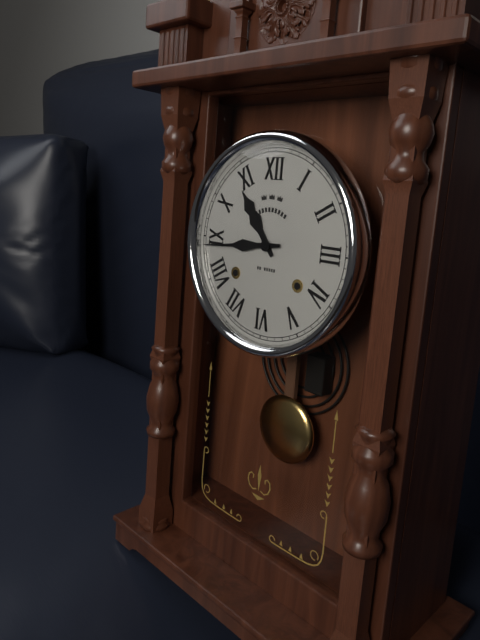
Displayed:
10,44
